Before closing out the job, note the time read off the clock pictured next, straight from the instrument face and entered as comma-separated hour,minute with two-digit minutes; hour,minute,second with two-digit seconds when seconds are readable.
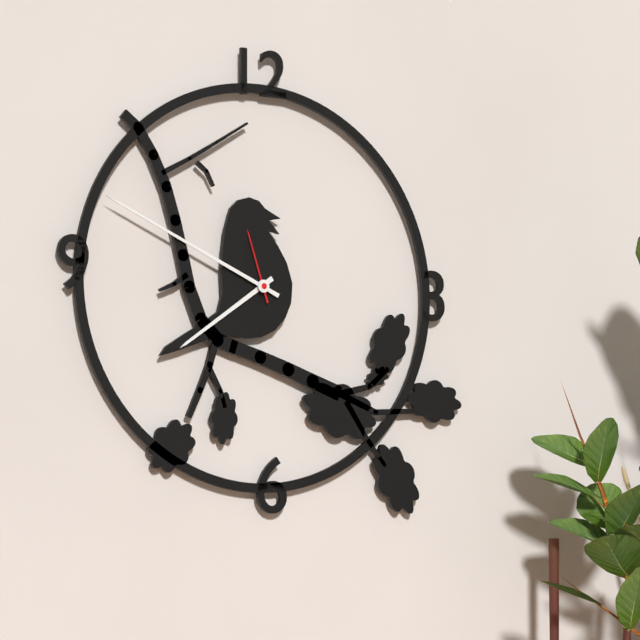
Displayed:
7,49,57
